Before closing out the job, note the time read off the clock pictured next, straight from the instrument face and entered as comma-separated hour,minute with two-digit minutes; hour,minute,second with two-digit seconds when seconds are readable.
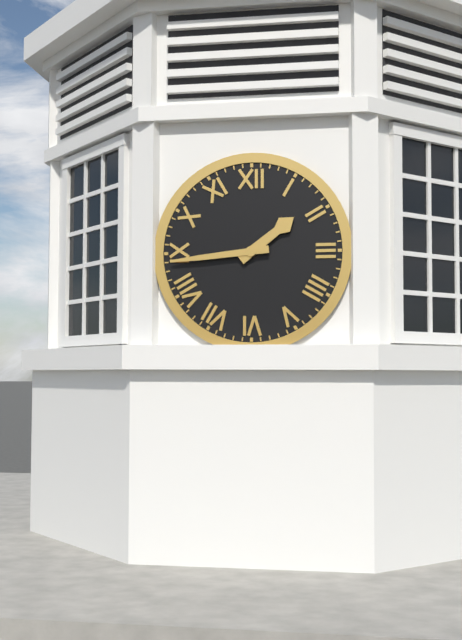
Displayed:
1,44
